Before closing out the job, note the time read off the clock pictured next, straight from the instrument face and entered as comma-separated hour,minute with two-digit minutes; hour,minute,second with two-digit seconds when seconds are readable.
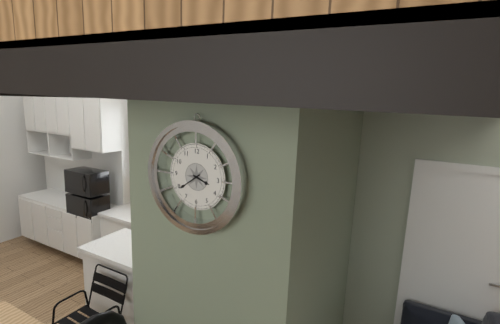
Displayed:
3,39
